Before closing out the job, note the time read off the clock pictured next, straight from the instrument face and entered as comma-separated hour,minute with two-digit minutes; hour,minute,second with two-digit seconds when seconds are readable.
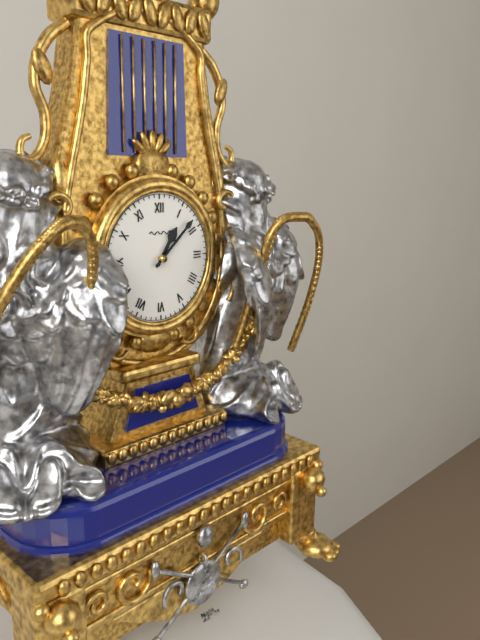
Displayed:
1,08
